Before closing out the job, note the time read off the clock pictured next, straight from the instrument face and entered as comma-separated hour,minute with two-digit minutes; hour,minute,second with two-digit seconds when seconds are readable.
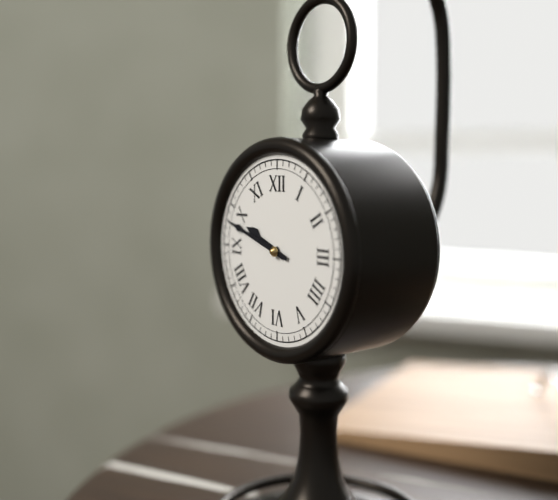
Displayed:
9,48
